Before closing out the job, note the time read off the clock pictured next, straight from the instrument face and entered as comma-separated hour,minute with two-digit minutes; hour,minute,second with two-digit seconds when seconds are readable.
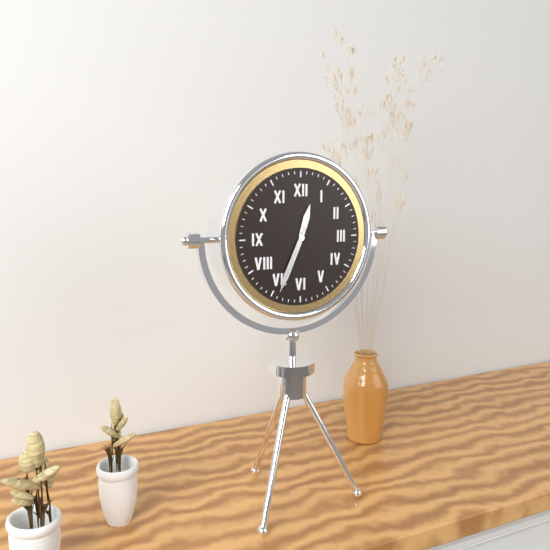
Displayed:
12,34
